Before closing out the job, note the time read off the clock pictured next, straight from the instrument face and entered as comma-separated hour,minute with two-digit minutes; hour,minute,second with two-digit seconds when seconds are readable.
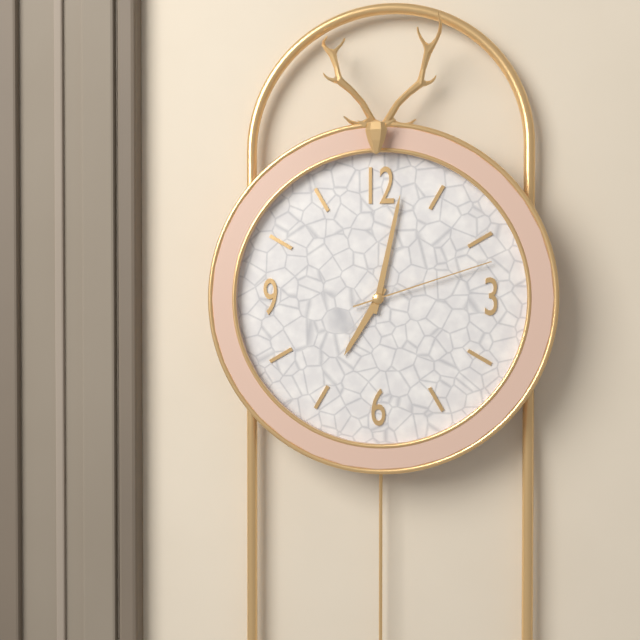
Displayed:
7,02,12
